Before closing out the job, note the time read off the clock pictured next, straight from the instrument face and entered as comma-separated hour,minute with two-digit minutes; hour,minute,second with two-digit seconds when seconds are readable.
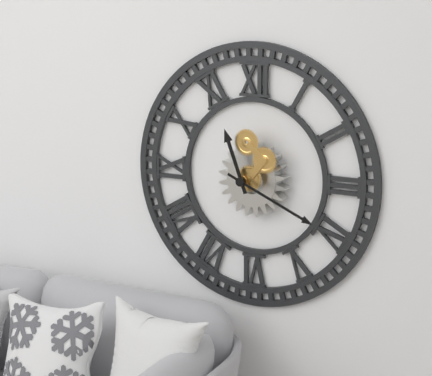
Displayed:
11,19
